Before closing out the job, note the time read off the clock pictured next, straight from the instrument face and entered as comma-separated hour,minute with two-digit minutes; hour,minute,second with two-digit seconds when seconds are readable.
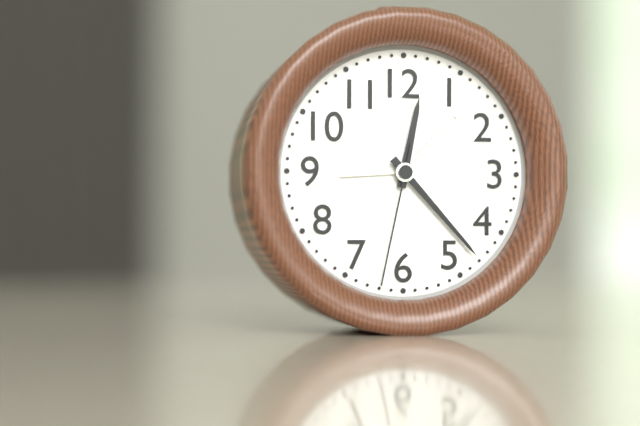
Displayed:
12,23,32
